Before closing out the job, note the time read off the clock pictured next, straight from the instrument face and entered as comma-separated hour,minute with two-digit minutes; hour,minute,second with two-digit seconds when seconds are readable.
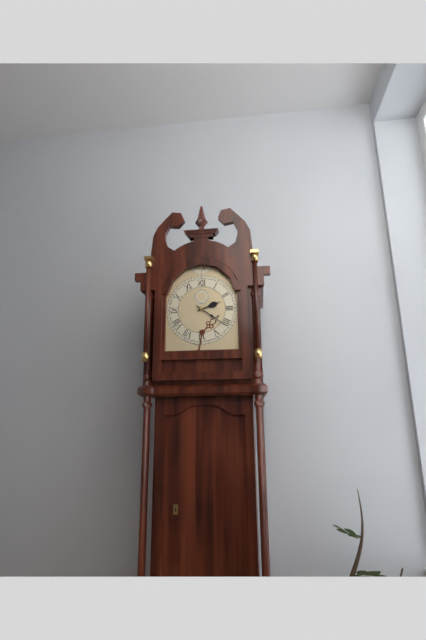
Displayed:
2,21
